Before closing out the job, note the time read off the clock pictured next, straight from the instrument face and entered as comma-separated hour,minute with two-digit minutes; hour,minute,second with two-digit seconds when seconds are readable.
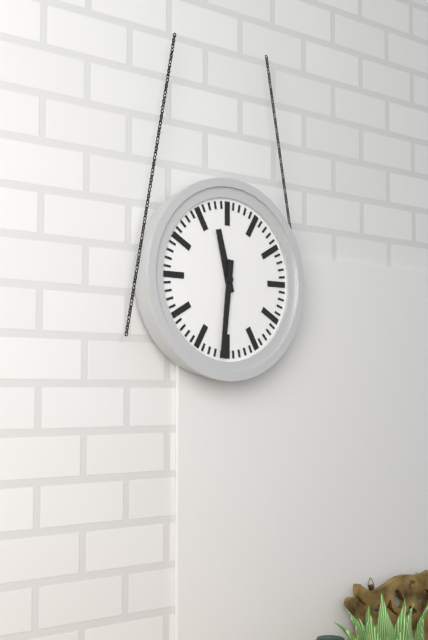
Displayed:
11,31
